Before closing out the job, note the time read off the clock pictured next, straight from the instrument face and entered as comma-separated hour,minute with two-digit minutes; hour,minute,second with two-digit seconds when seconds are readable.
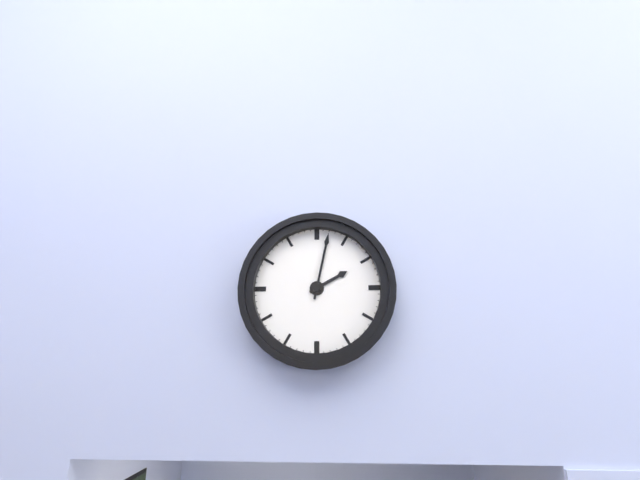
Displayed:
2,02
